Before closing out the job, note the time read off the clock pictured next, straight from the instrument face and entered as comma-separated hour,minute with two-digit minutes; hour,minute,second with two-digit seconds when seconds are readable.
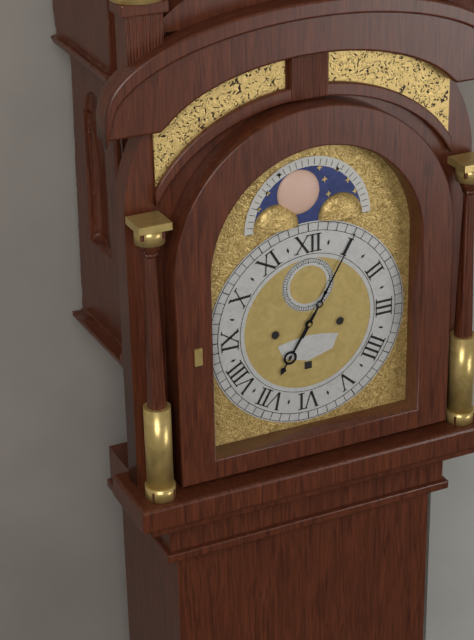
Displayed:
7,05
